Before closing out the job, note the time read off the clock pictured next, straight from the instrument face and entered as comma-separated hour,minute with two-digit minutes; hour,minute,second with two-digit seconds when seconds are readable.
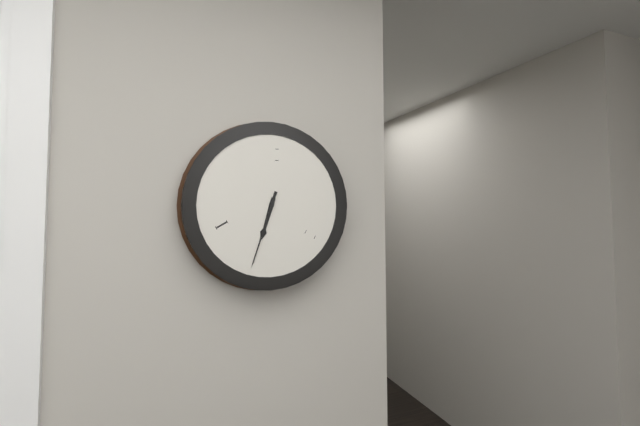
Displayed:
6,33
